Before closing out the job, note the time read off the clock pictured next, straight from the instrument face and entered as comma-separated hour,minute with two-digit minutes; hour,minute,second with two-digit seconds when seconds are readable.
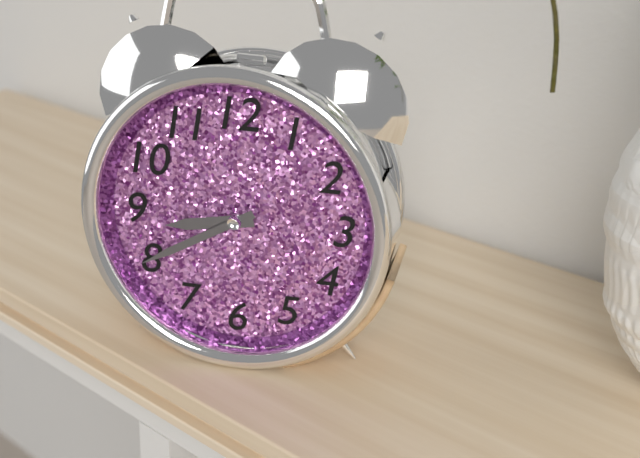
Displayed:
8,40
